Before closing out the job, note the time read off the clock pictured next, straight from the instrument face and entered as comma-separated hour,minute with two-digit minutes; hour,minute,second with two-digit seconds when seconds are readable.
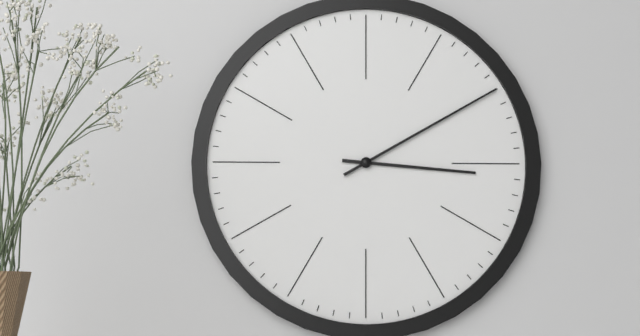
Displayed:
3,10
